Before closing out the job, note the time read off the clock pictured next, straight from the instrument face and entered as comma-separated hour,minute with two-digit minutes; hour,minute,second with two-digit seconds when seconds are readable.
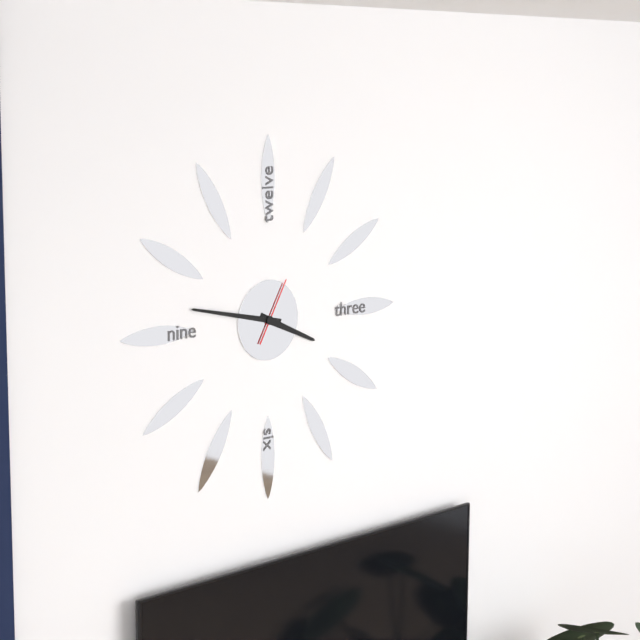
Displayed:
3,47,05
